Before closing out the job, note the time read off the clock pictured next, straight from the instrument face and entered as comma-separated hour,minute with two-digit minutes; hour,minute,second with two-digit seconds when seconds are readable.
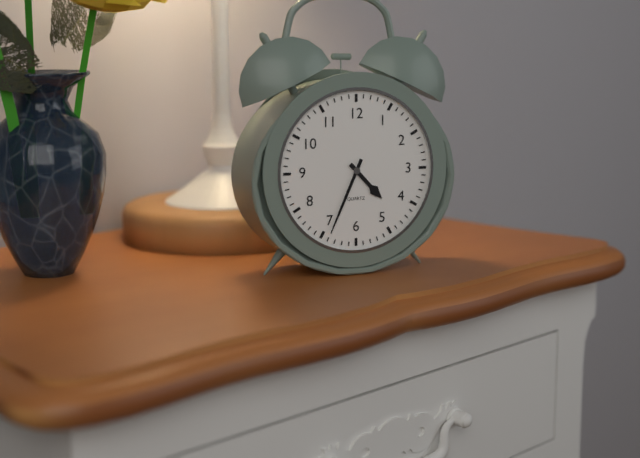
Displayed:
4,34
